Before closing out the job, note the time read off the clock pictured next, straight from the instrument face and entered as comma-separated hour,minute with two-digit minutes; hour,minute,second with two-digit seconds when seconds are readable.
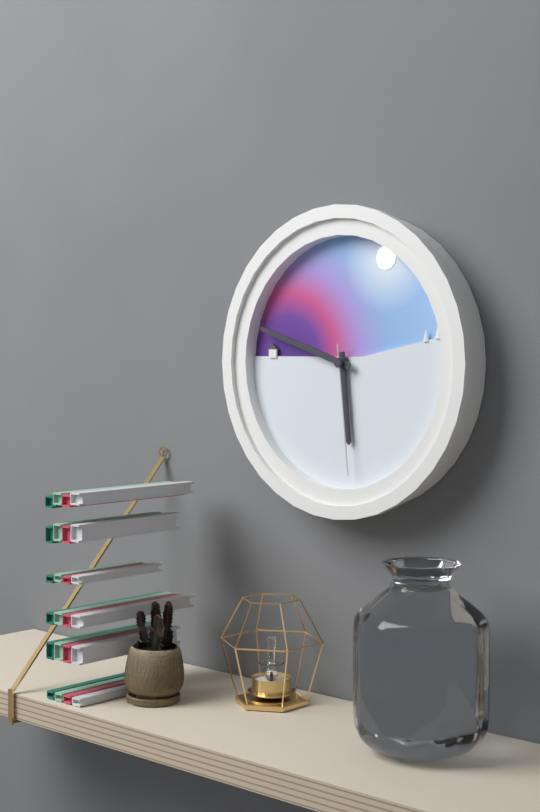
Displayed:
5,48,29
